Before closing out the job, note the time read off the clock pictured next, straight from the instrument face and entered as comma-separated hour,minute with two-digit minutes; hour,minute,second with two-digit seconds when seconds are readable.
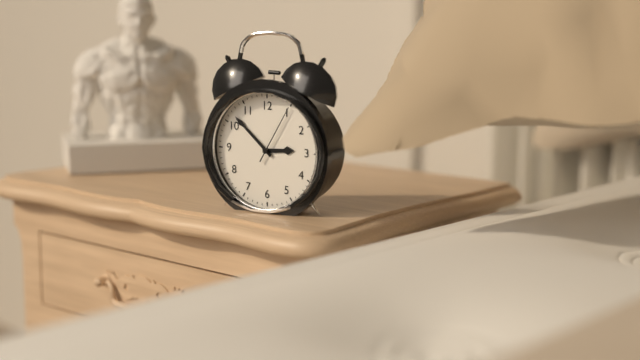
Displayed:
2,52,05
